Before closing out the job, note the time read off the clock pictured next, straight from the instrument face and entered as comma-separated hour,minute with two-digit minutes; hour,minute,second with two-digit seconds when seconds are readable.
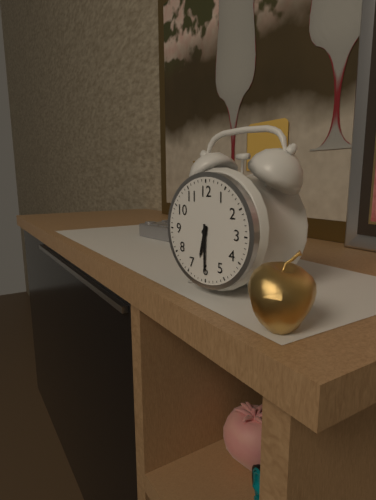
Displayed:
6,30
